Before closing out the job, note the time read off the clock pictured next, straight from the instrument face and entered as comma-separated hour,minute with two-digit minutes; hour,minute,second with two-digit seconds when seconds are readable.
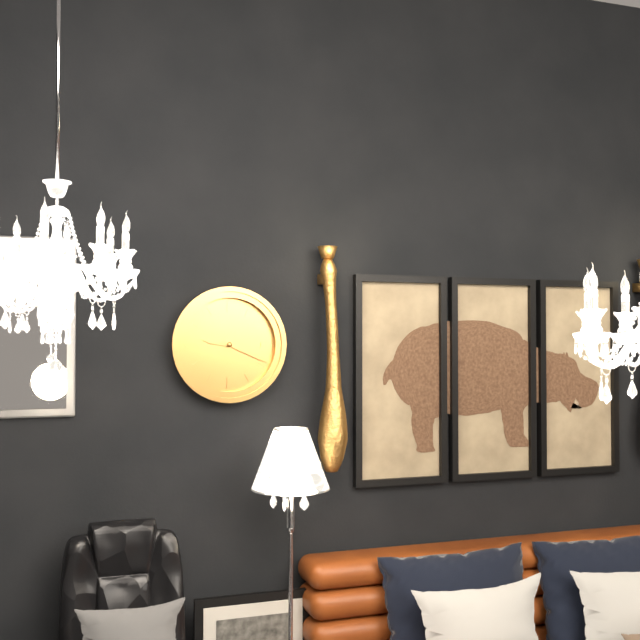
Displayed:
9,19
